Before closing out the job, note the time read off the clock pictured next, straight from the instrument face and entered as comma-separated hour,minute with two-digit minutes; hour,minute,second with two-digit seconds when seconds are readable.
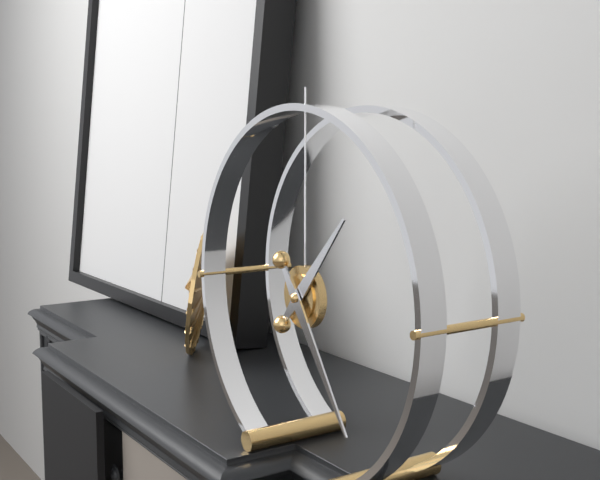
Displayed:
1,24
